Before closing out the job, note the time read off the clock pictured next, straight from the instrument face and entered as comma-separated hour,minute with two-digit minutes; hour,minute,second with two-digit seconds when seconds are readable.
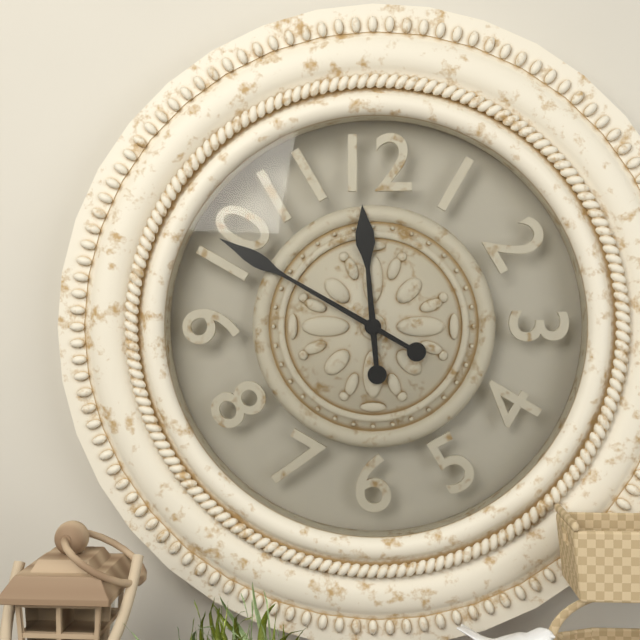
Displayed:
11,50
